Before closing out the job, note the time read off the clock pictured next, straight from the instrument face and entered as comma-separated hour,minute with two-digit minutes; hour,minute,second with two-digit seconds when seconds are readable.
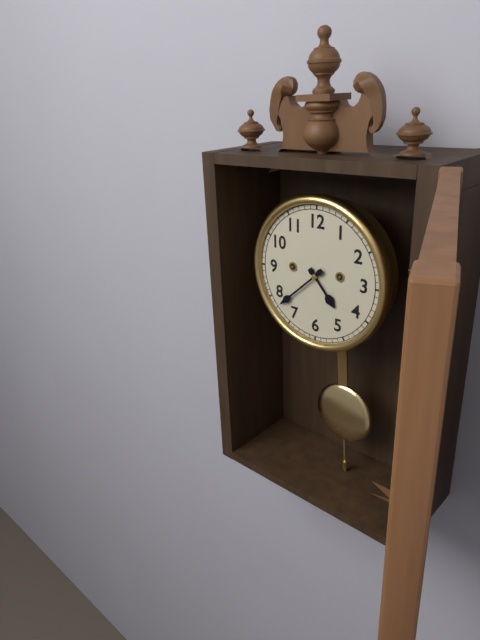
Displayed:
4,38
